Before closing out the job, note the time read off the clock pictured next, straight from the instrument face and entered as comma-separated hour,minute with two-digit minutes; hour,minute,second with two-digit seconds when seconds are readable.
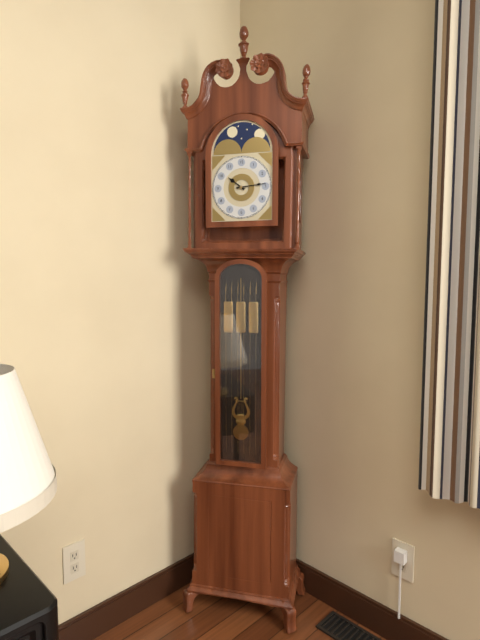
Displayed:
10,14
